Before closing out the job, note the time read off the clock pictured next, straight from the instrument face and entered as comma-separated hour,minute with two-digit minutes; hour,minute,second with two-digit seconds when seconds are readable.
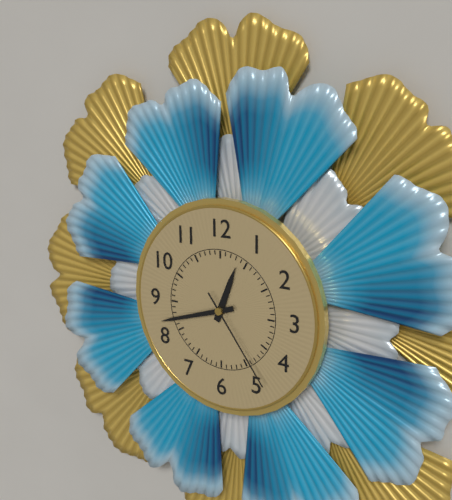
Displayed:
12,42,24
